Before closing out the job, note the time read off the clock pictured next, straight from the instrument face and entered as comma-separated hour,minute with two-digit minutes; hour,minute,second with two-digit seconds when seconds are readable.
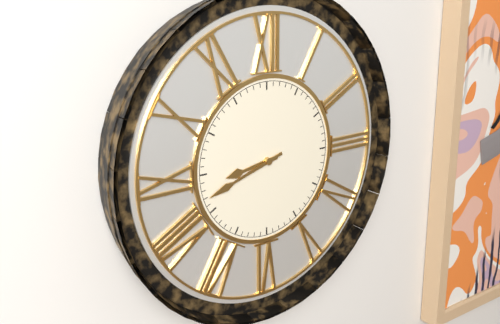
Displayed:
8,42
